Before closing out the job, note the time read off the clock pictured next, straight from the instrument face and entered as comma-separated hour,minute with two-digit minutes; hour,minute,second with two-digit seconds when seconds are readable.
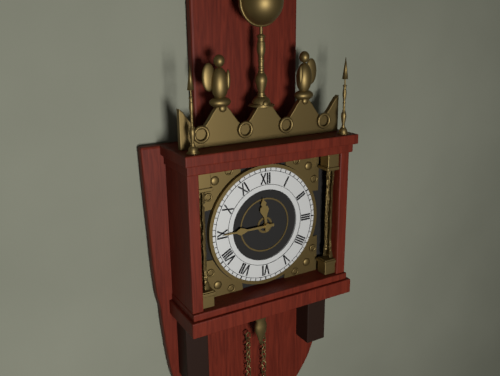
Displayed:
11,45
